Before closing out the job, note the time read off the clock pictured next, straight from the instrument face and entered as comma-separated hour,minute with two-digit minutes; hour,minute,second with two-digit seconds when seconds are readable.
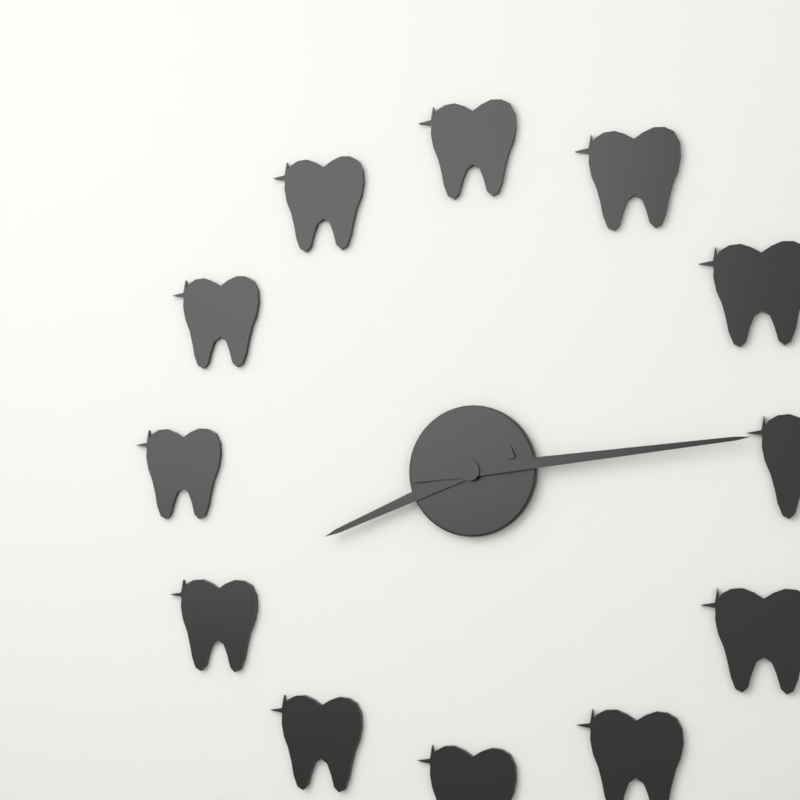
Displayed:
8,14
